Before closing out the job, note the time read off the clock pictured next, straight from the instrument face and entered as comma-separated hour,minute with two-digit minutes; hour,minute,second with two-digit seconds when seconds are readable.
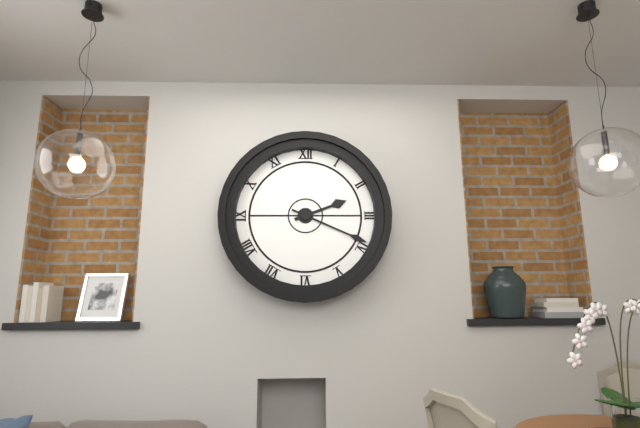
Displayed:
2,19
